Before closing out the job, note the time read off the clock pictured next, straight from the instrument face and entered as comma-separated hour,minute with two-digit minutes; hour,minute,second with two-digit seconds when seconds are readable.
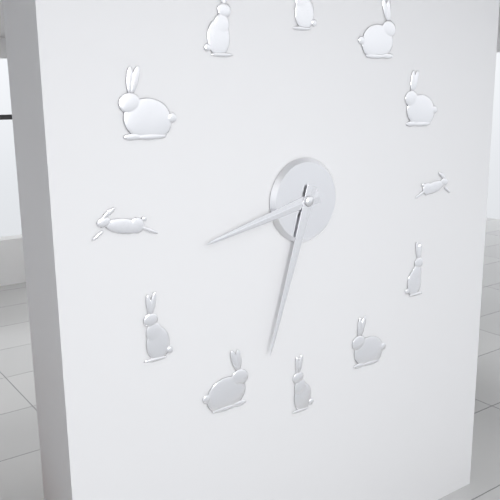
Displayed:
8,33
